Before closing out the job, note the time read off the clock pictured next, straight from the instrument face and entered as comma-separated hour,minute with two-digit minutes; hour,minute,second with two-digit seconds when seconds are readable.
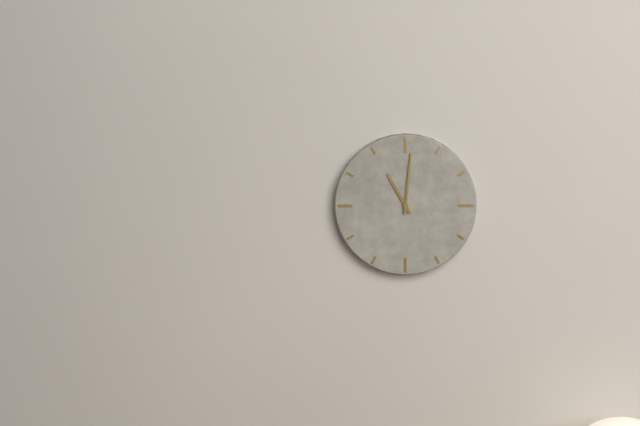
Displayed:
11,01
